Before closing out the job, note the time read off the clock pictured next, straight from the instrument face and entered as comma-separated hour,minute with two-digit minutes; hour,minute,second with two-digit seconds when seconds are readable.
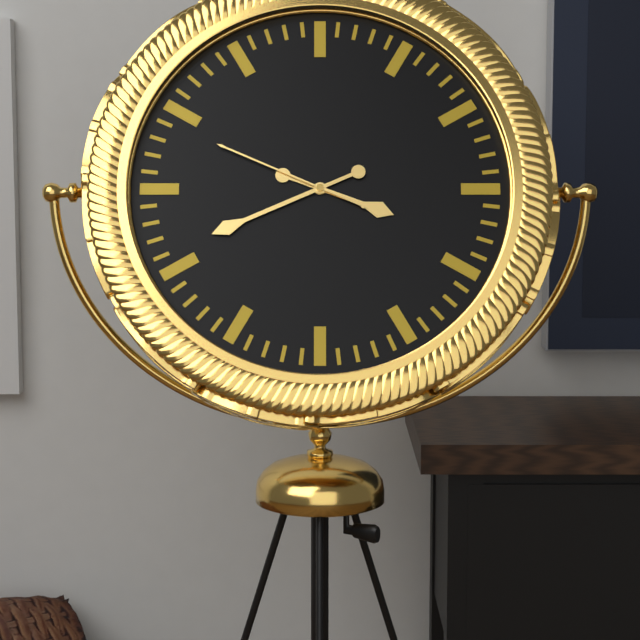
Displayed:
3,41,49
